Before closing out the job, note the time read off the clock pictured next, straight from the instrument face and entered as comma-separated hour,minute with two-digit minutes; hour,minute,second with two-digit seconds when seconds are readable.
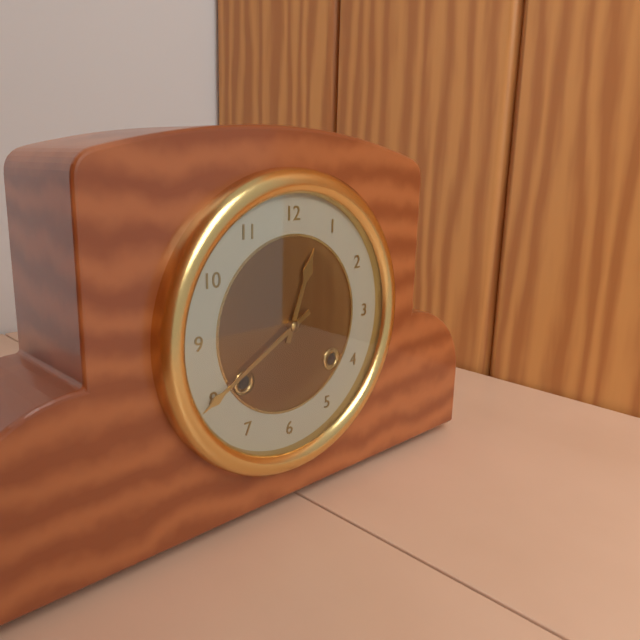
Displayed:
12,40
